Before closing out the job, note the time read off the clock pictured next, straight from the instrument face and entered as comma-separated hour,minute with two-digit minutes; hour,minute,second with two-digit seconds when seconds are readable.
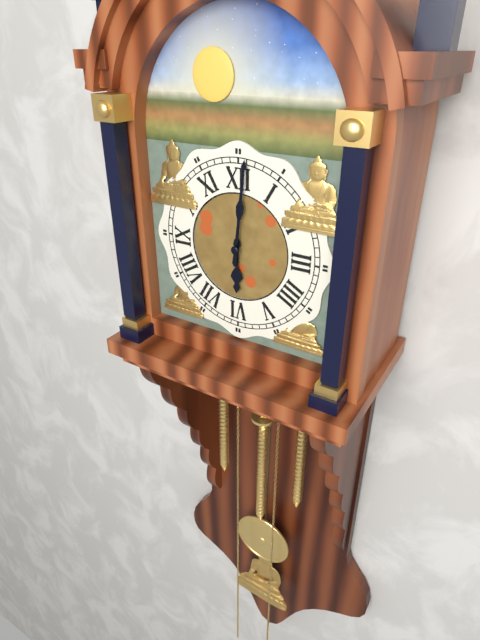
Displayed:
6,01
